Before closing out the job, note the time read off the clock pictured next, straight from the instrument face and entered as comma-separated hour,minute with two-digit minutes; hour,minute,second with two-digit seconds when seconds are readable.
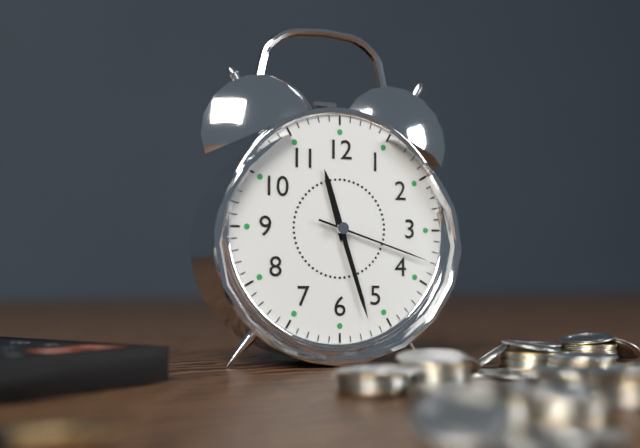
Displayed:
11,27,18
